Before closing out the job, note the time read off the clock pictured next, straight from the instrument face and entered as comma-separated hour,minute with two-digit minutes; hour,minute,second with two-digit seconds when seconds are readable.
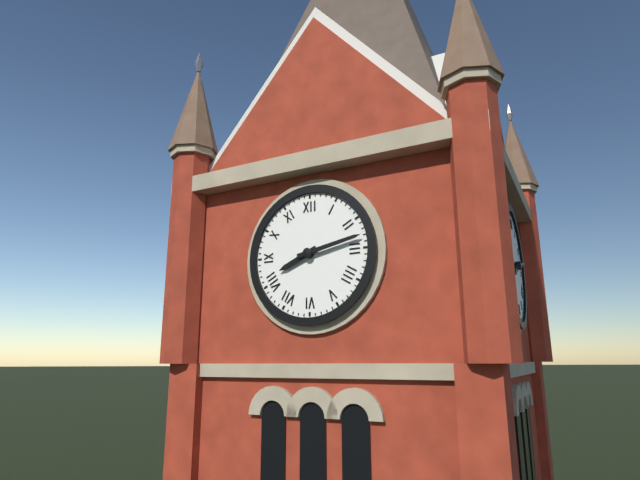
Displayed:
8,13
